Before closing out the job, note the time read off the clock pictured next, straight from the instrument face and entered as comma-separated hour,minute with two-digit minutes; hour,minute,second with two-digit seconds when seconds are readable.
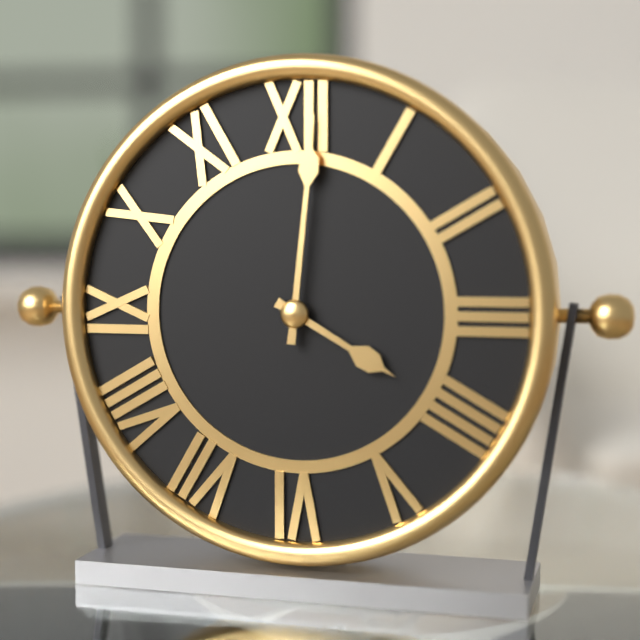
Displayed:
4,01
